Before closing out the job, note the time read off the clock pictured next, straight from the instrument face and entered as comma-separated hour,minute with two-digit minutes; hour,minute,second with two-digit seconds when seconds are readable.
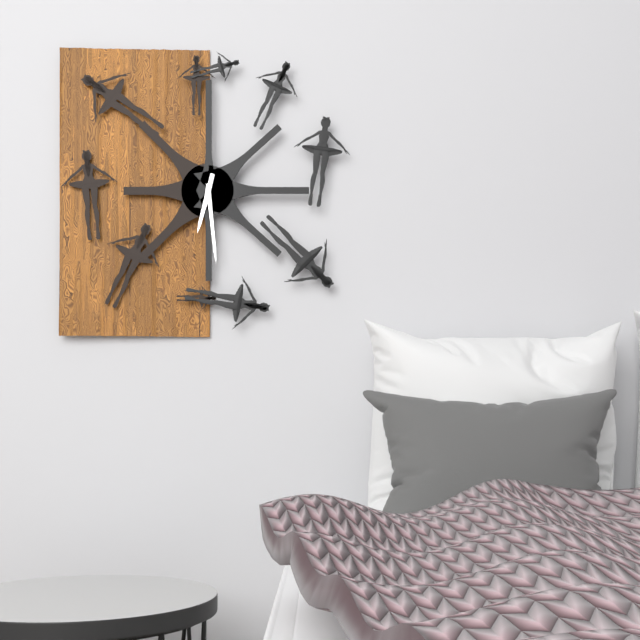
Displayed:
6,29
